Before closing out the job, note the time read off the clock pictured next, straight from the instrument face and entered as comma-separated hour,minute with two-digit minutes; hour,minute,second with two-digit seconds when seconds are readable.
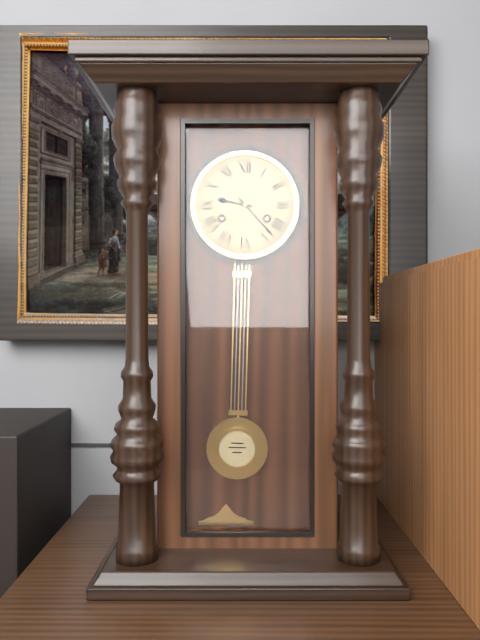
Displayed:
9,23
